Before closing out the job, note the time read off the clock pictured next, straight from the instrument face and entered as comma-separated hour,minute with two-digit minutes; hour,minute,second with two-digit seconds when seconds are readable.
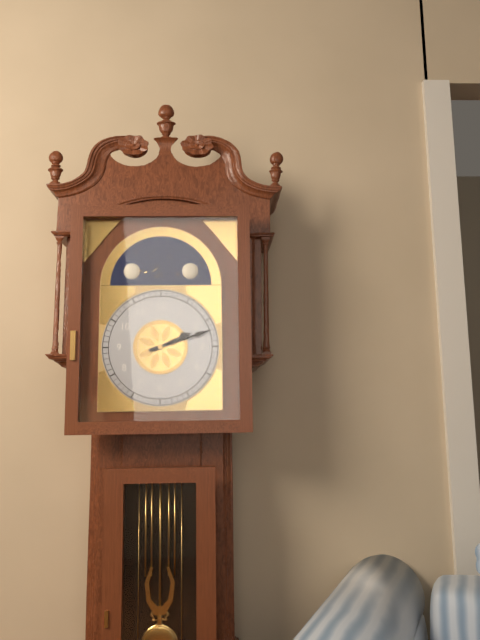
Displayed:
2,12
